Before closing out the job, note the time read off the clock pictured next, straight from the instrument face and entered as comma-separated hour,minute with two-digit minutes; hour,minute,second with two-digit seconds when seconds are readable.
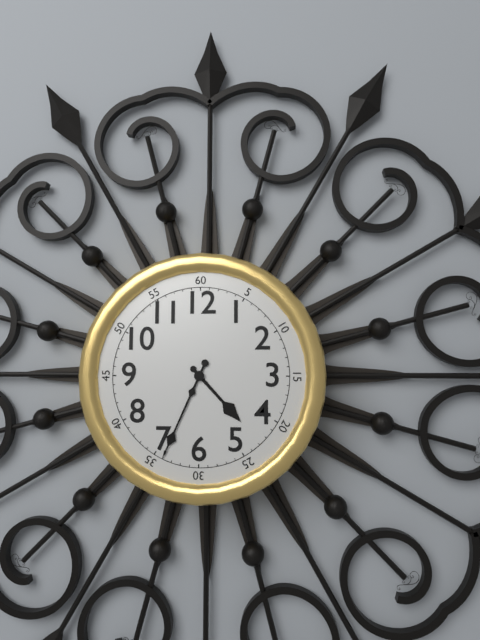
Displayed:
4,34
